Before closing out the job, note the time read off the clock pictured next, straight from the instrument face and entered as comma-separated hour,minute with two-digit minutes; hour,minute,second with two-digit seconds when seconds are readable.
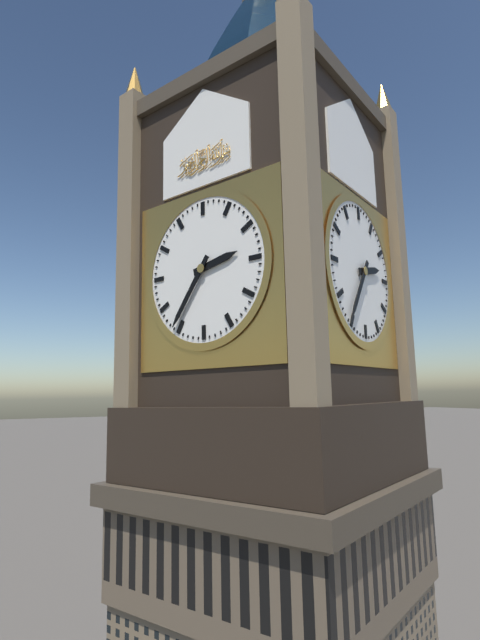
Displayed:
2,36
